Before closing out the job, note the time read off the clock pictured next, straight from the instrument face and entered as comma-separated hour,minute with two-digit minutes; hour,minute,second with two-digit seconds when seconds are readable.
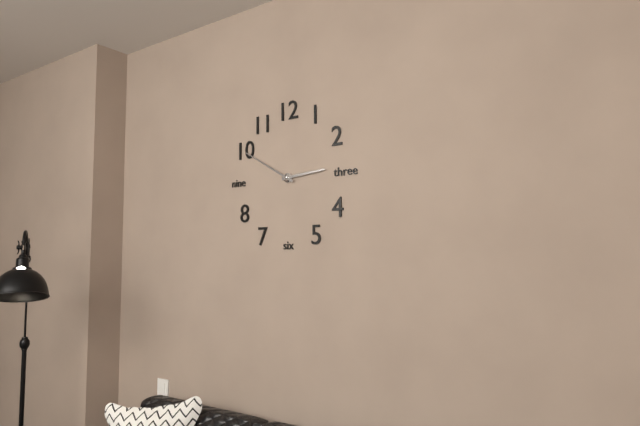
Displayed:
2,50
